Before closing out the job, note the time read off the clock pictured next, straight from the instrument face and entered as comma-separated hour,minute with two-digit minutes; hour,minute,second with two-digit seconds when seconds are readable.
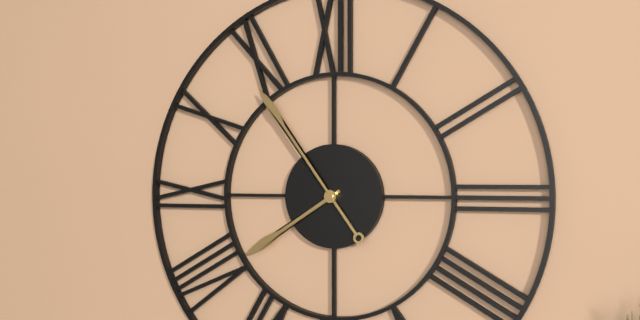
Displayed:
7,54
